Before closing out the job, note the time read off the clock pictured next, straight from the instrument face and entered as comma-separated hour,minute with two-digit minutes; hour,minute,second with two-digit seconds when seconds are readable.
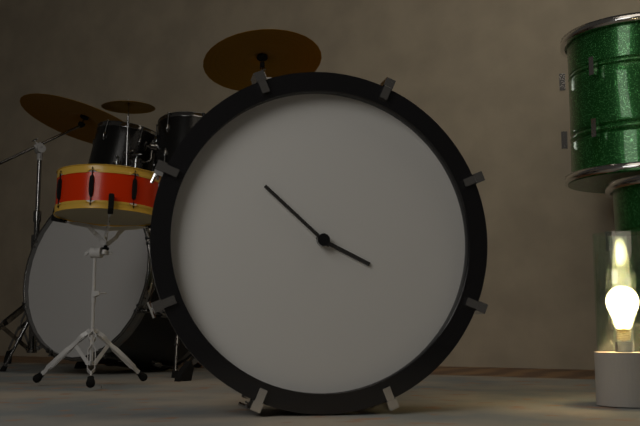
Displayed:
3,52
